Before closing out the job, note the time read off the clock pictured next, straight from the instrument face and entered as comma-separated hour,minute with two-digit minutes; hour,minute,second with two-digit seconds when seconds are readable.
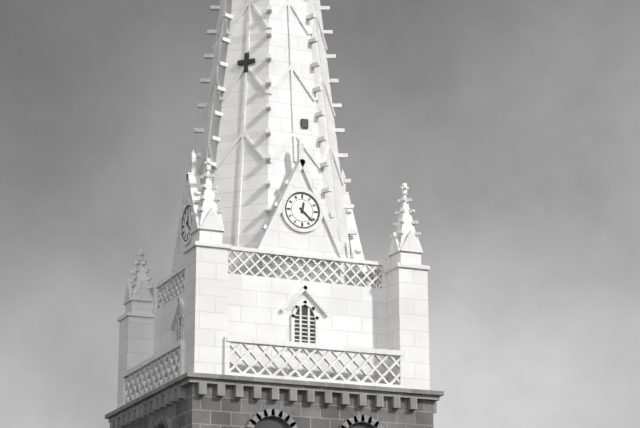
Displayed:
12,22
